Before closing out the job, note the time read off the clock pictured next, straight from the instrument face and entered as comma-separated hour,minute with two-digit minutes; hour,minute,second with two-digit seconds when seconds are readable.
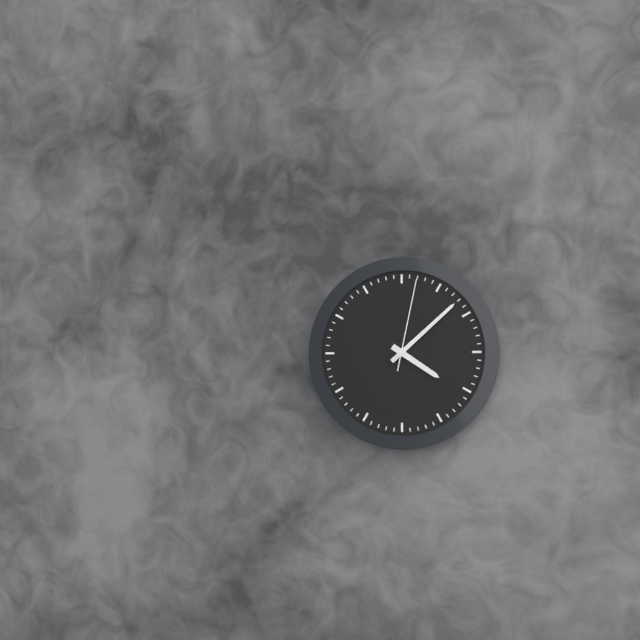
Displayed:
4,08,02
